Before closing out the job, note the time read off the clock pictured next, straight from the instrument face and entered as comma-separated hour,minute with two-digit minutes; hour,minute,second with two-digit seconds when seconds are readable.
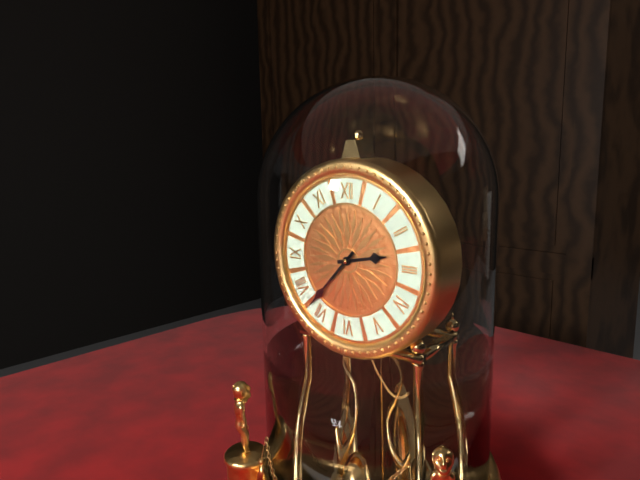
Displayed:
2,37
